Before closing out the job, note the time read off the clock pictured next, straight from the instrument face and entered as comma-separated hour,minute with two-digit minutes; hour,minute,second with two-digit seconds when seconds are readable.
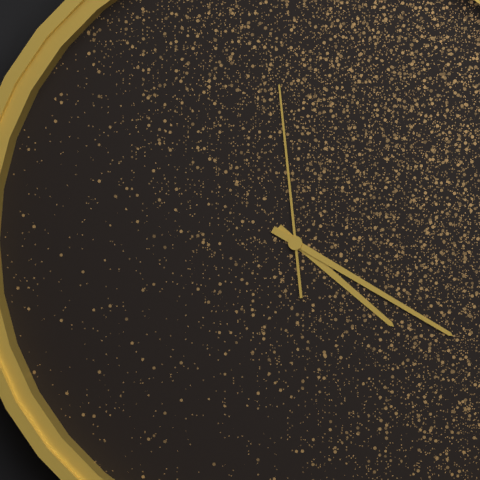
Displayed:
4,20,59
